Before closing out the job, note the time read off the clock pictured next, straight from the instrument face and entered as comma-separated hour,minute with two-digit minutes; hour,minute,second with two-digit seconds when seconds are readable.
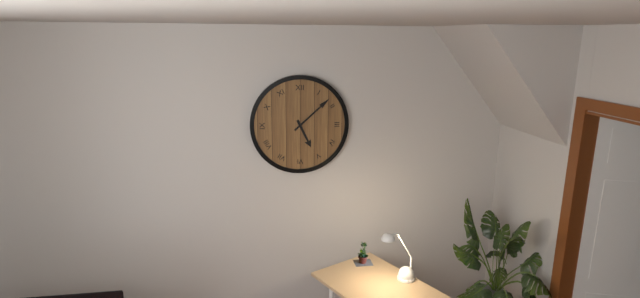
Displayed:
5,08
